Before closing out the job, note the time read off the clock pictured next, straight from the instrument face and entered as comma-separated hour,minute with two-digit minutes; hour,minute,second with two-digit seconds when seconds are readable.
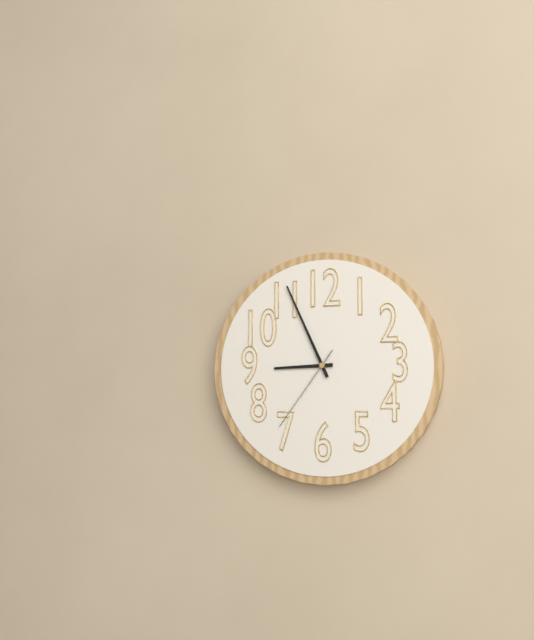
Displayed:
8,56,36
